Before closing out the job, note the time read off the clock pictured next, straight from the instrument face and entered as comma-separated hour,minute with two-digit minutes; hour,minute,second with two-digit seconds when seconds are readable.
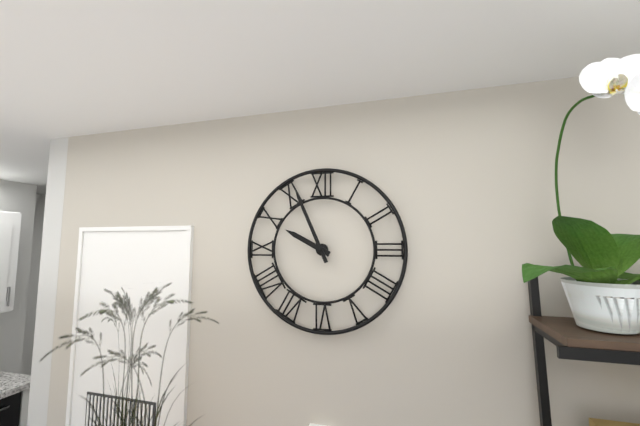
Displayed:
9,56
